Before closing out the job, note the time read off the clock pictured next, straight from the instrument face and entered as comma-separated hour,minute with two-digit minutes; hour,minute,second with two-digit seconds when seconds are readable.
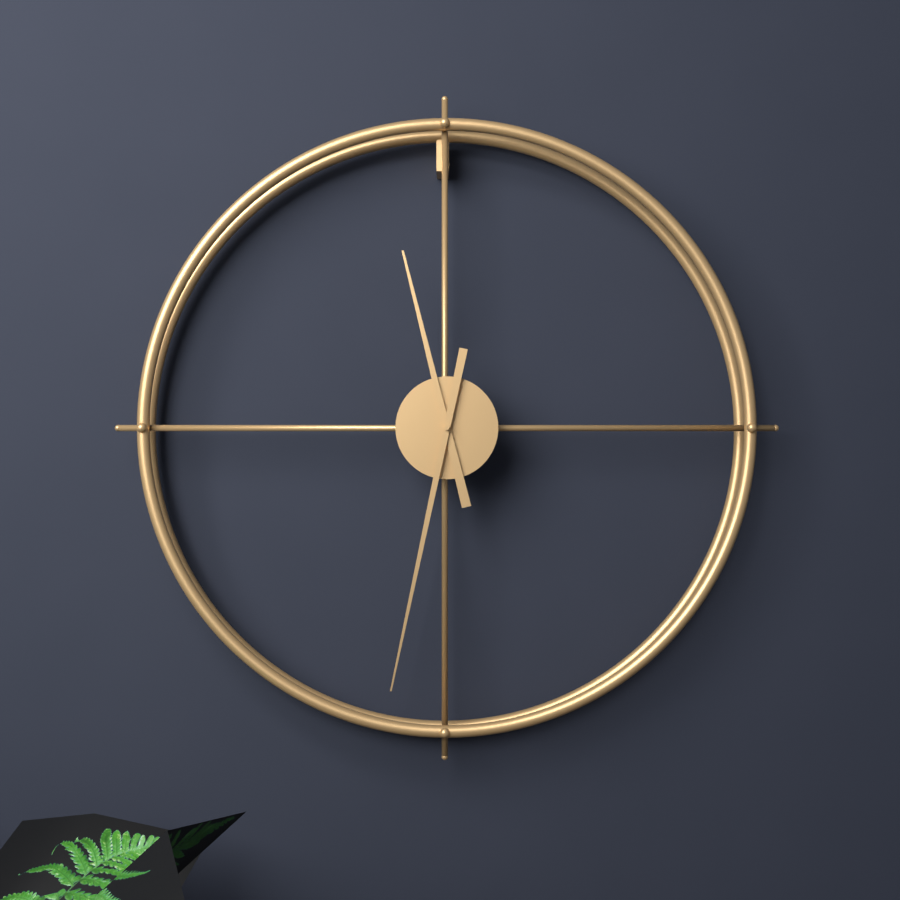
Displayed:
11,32
